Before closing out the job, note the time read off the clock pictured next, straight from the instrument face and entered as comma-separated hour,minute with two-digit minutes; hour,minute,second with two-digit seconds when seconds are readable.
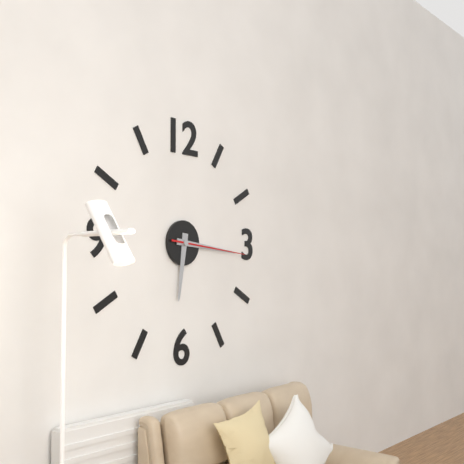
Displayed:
6,16,16
